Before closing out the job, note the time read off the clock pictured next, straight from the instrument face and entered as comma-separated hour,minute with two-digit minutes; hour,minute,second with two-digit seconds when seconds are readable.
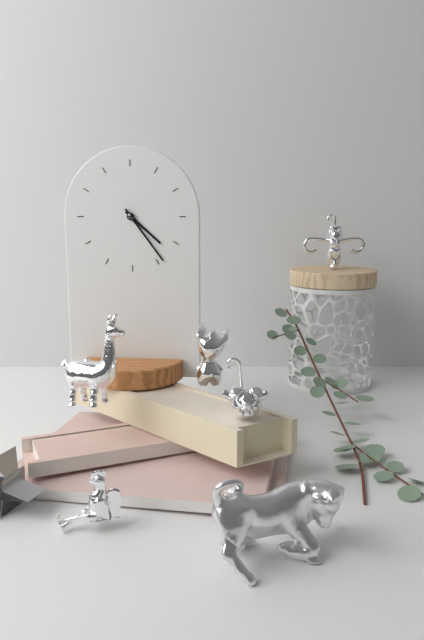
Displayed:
4,24
